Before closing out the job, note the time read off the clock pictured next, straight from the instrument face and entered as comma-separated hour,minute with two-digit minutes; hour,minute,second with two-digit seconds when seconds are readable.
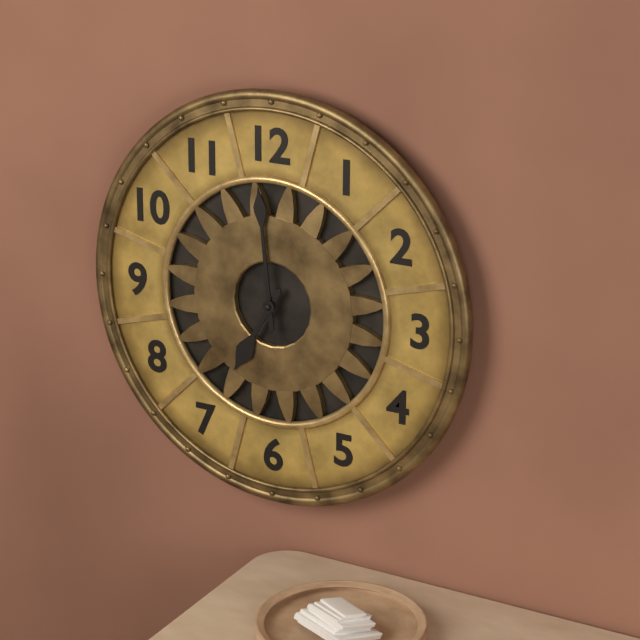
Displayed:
6,59
